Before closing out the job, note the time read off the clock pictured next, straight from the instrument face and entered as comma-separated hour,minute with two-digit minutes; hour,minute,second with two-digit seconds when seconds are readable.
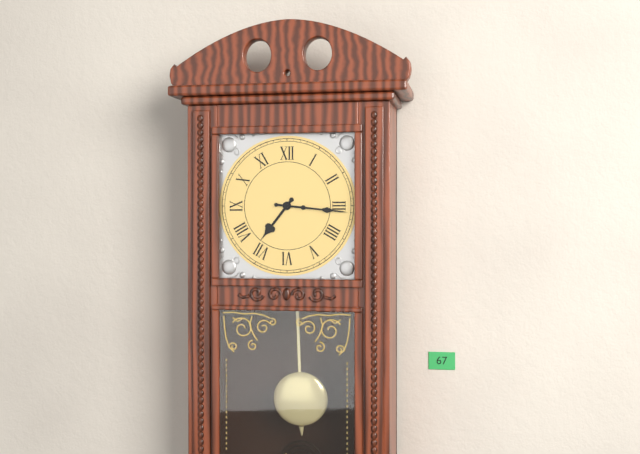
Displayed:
7,16
